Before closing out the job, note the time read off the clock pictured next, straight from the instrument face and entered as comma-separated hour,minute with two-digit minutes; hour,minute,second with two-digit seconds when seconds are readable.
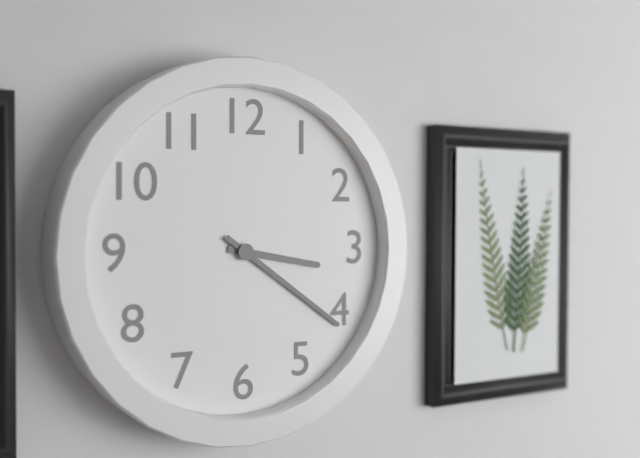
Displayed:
3,21
